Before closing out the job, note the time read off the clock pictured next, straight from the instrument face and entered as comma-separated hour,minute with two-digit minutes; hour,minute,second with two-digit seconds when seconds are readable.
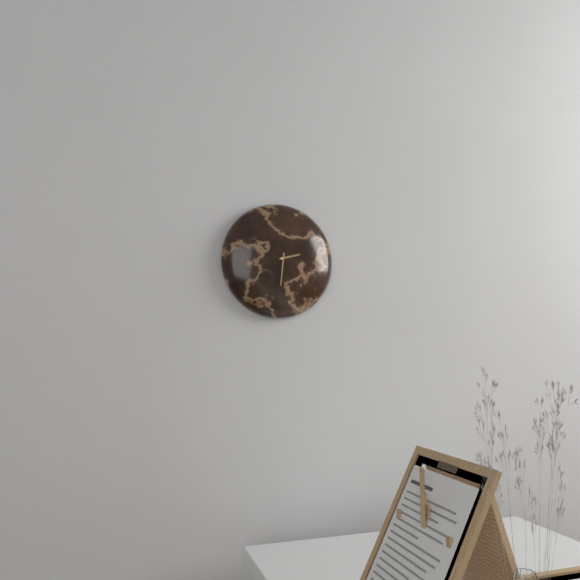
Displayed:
2,31
